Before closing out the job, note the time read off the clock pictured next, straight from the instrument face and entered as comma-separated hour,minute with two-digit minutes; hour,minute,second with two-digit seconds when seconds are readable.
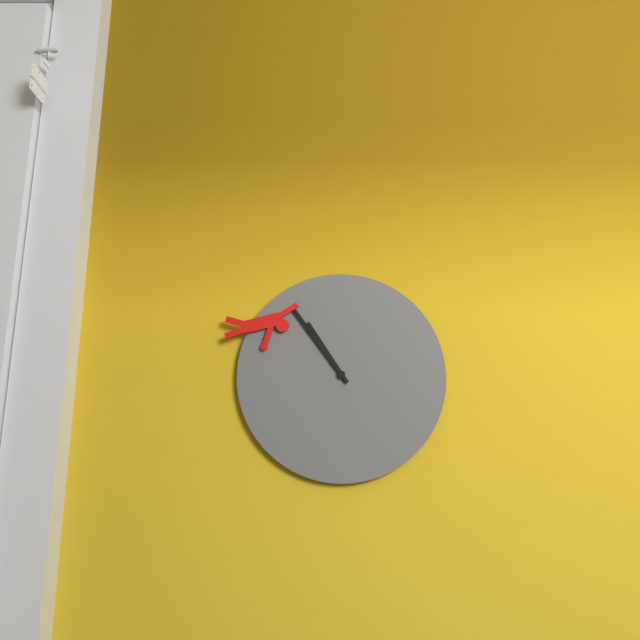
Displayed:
10,54
